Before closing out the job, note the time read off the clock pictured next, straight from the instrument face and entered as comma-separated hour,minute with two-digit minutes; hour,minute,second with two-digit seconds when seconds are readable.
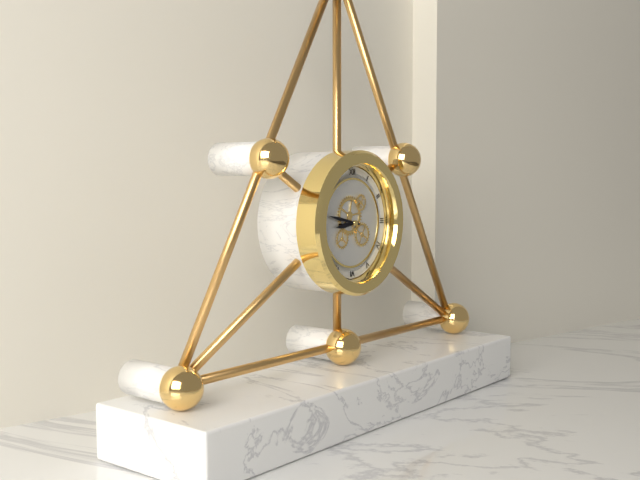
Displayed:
8,47
